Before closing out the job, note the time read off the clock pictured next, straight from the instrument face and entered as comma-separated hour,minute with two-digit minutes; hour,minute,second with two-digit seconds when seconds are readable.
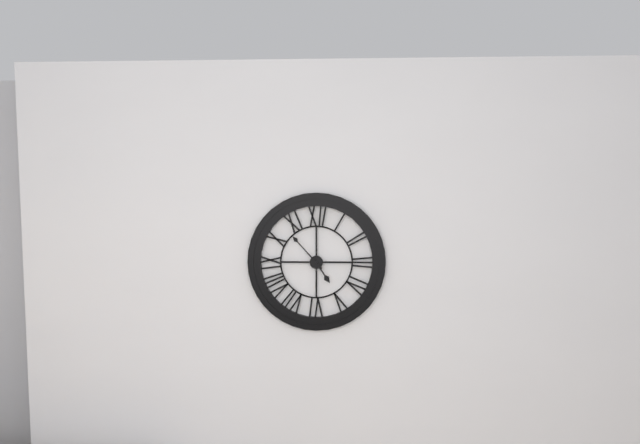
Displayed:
4,53
